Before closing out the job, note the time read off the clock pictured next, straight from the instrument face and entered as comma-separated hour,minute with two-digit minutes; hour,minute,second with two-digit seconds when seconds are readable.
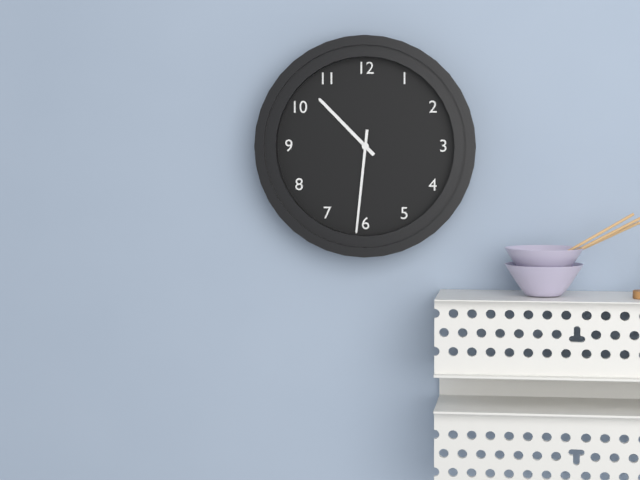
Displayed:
10,31
